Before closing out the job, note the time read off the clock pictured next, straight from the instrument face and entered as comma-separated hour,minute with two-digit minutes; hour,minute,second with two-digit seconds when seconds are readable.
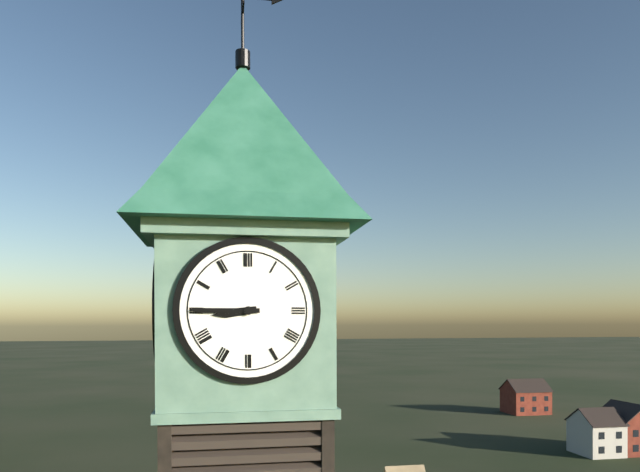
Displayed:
8,45
